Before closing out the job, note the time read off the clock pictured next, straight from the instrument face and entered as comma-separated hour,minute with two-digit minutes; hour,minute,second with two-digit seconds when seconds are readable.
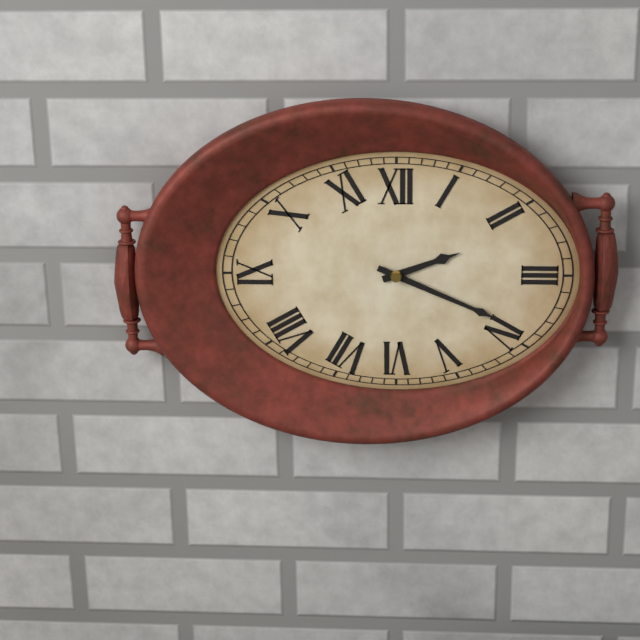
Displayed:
2,19
